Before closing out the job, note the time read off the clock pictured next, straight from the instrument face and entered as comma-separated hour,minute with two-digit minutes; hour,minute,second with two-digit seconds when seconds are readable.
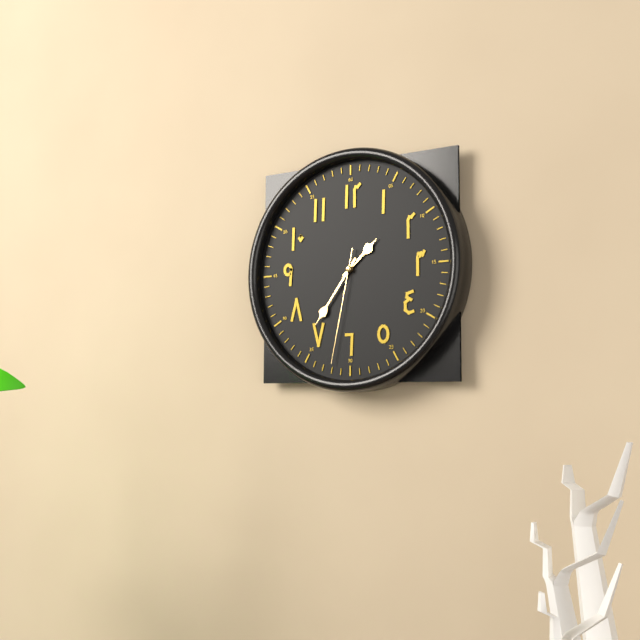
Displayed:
1,36,32
